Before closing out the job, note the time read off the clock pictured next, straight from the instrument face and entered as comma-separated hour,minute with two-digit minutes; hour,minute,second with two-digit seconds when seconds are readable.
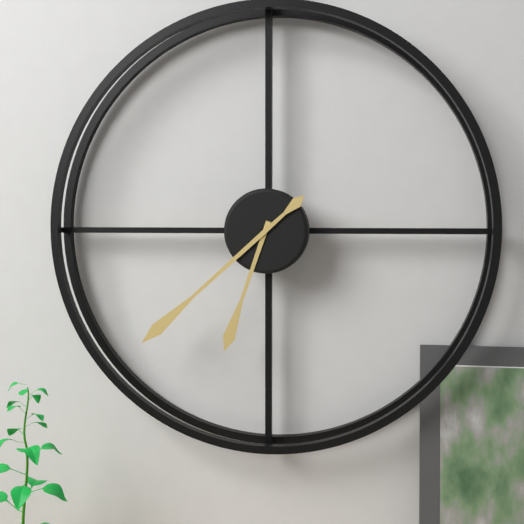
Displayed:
6,38
